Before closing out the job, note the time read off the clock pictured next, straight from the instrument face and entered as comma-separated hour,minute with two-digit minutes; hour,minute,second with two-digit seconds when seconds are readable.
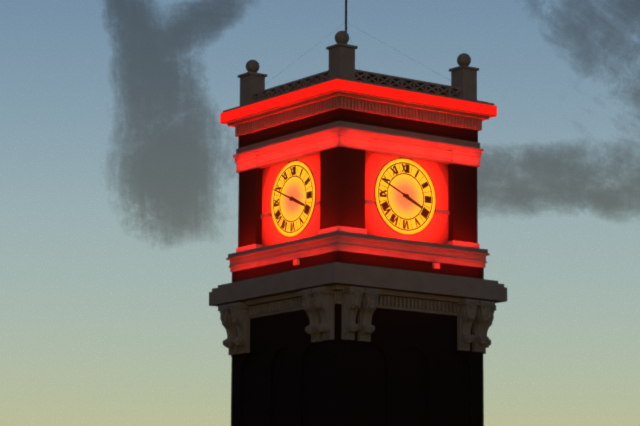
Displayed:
3,49
